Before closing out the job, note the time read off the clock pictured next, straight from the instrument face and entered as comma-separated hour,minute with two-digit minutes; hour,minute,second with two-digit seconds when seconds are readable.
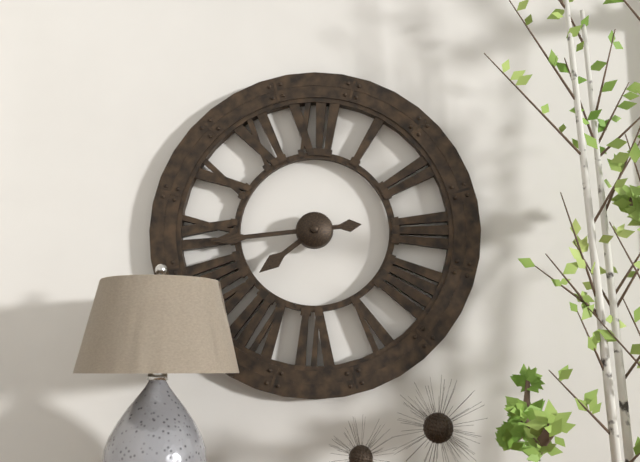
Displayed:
7,44
